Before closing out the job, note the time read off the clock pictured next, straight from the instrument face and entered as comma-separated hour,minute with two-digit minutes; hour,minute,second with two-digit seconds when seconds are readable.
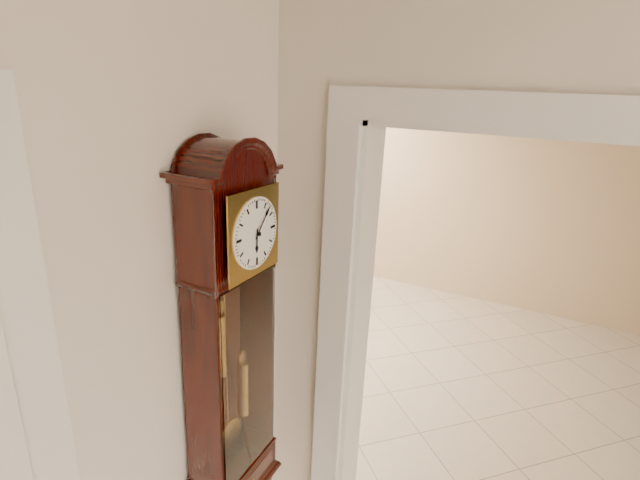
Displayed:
6,07
